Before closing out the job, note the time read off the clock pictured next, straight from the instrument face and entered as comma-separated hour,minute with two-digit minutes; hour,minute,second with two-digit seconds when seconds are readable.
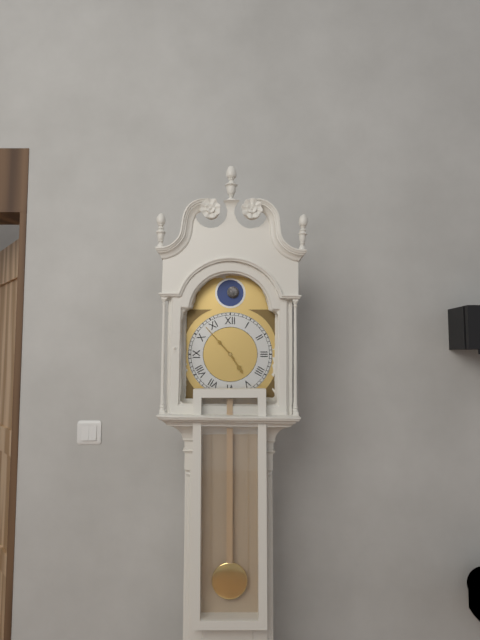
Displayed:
4,53
